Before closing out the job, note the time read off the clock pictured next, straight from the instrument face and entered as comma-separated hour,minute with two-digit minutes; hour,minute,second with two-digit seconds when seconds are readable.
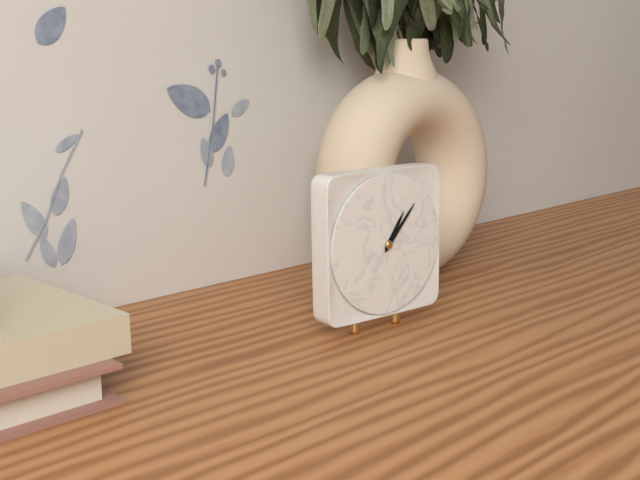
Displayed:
1,07
